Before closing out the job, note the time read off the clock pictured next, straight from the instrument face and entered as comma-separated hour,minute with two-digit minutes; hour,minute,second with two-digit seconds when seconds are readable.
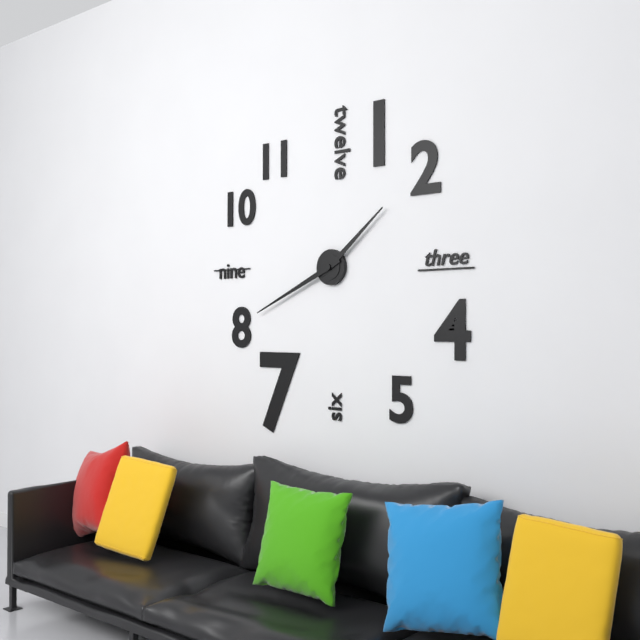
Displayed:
1,41
